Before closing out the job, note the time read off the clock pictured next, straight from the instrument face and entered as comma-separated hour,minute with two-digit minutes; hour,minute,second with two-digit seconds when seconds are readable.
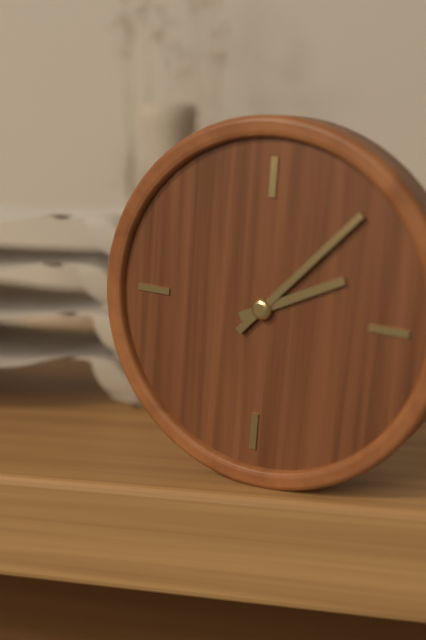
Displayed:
2,07
